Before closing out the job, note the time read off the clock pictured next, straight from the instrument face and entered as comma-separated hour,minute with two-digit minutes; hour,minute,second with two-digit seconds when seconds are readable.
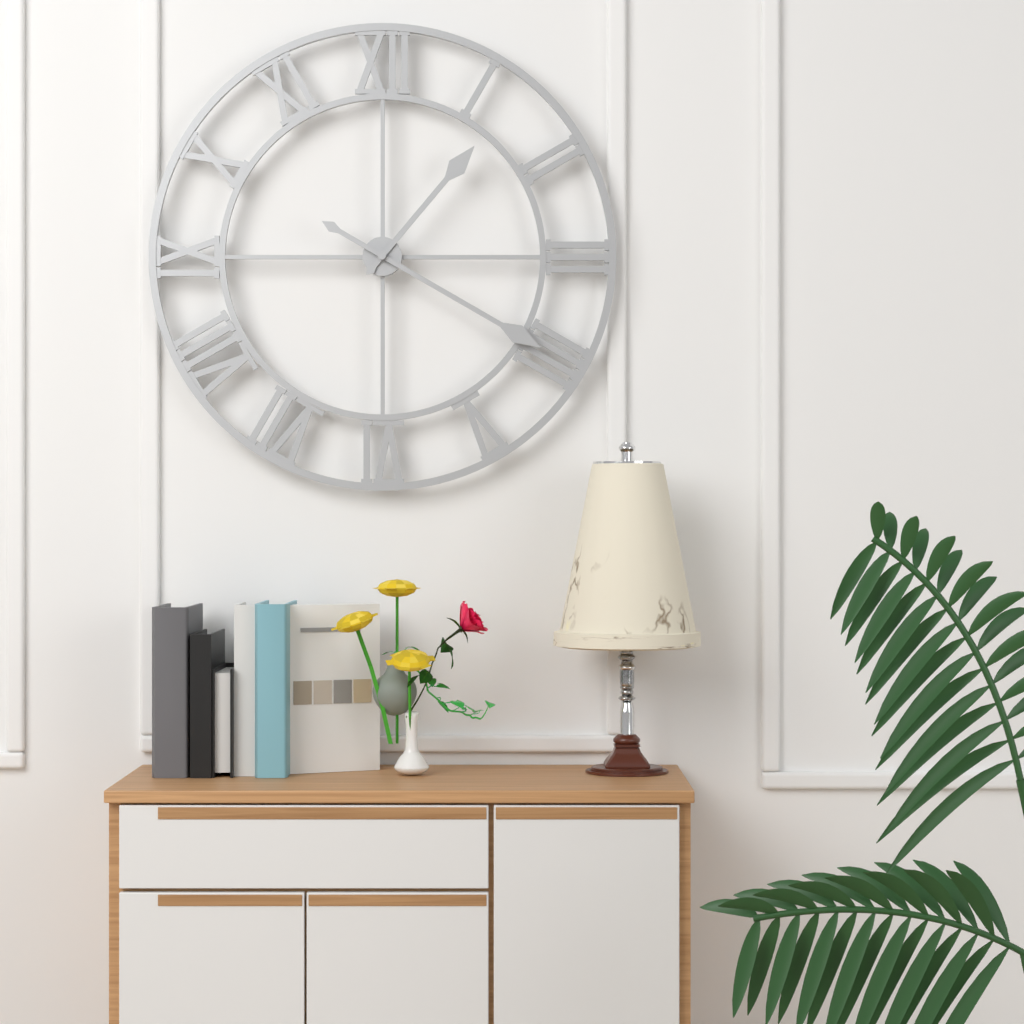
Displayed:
1,20
